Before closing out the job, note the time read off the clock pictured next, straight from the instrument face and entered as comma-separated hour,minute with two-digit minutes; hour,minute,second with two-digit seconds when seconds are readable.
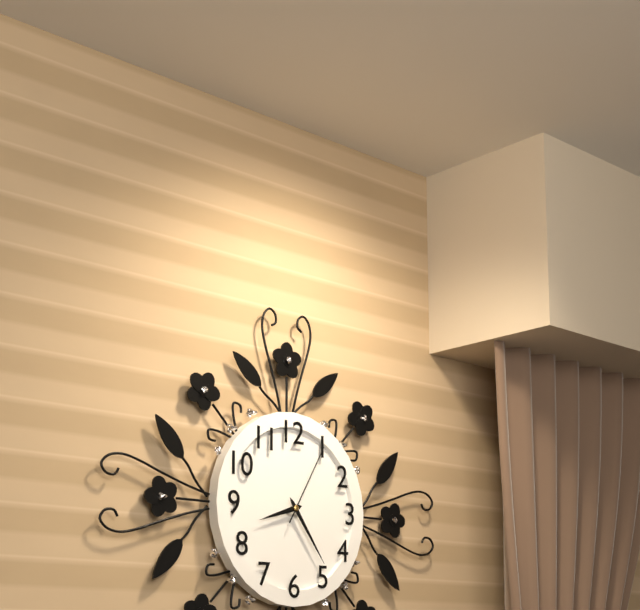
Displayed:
8,24,05
